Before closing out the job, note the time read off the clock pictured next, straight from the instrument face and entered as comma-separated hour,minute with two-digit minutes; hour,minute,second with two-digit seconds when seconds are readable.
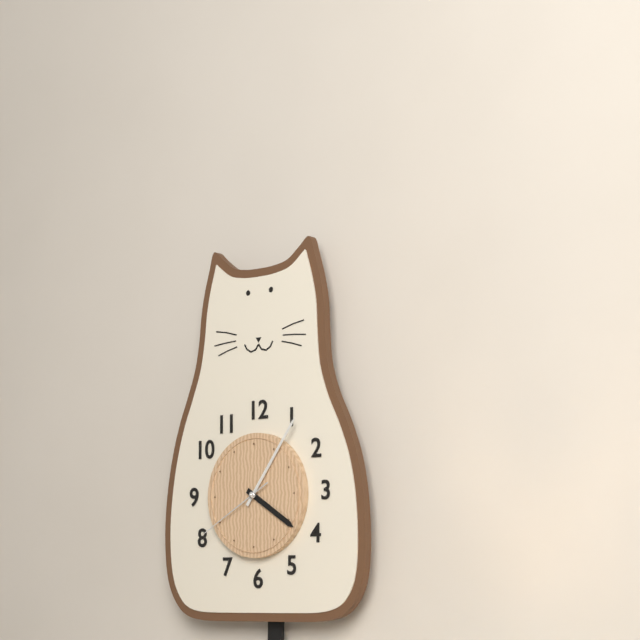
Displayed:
4,06,40
